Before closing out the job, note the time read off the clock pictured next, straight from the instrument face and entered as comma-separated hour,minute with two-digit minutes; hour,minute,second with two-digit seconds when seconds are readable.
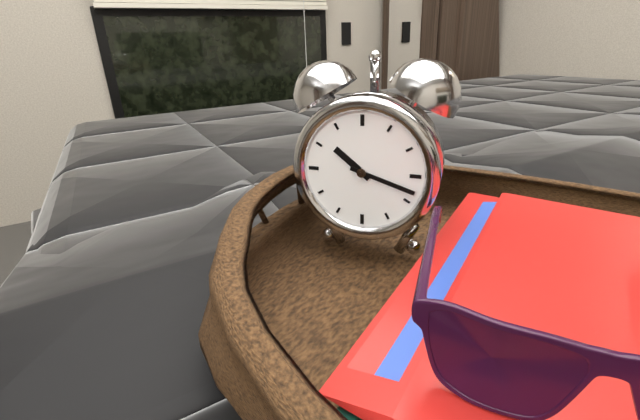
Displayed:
10,18
